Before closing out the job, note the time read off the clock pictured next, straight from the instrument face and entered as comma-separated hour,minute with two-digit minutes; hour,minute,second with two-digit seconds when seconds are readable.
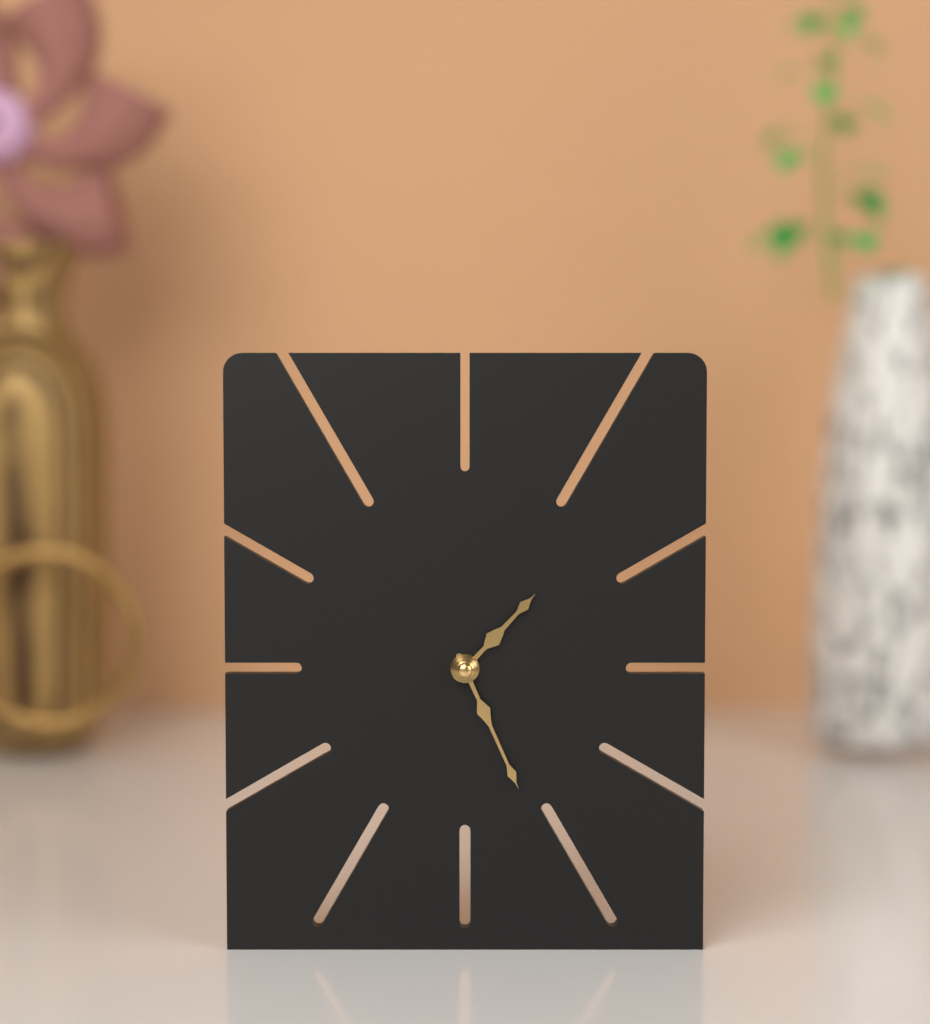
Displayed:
1,26
